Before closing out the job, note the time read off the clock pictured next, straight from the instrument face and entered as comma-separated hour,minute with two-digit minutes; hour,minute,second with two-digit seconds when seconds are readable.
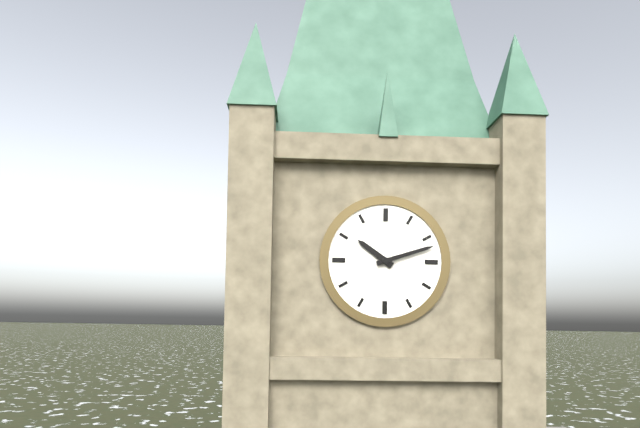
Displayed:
10,12
